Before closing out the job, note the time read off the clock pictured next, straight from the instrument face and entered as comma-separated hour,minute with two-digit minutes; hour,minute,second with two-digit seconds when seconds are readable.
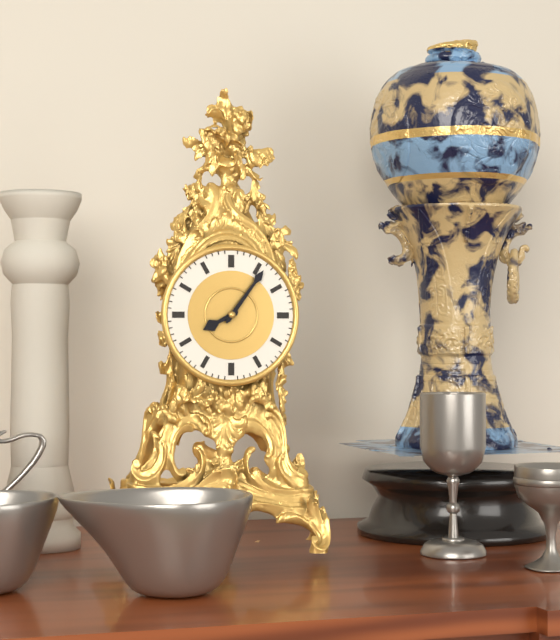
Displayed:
8,06
